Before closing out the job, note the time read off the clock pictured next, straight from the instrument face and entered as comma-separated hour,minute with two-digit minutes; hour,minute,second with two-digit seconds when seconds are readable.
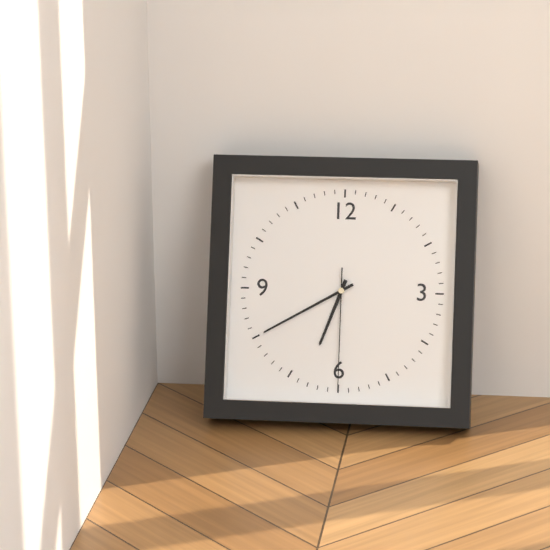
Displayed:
6,40,30
